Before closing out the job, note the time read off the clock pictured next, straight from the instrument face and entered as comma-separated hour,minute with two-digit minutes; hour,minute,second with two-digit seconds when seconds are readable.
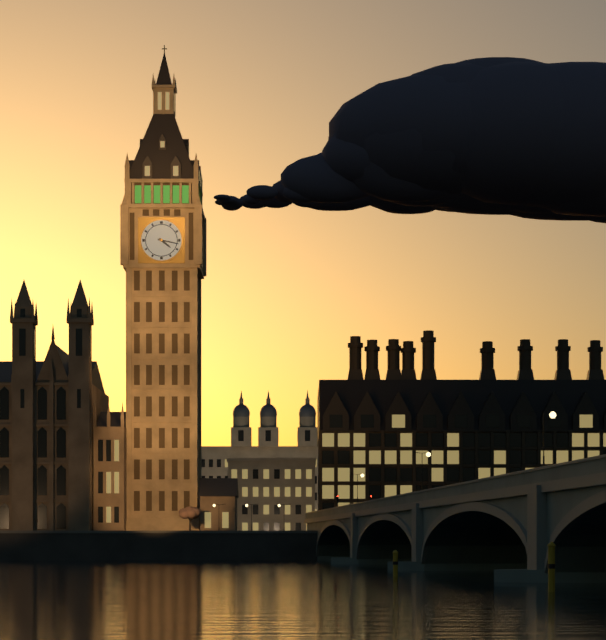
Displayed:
4,17
